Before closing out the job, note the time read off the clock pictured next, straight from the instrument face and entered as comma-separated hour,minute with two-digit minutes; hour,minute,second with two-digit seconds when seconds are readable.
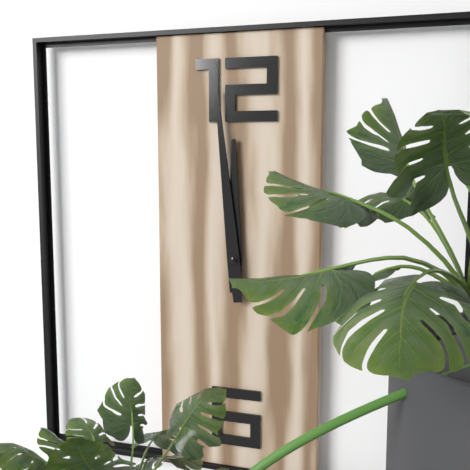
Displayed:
11,59
